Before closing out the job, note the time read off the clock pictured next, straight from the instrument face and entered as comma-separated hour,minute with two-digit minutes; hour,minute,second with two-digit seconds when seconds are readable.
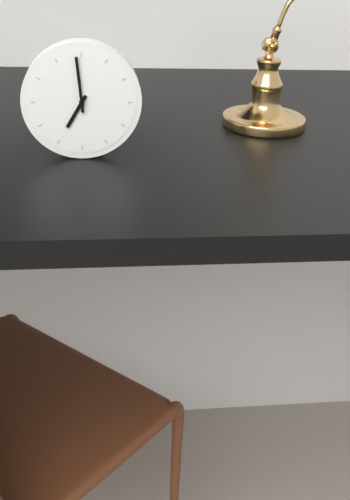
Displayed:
6,59
